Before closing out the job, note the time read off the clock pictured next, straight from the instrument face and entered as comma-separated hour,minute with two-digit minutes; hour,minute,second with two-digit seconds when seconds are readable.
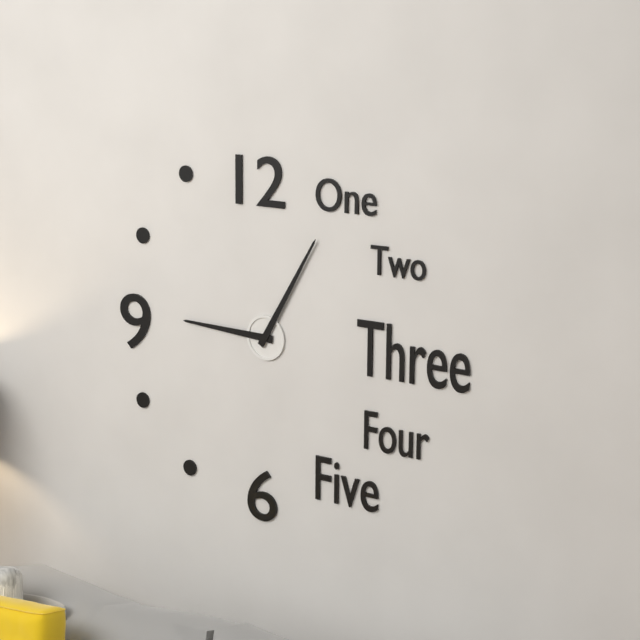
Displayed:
9,05
